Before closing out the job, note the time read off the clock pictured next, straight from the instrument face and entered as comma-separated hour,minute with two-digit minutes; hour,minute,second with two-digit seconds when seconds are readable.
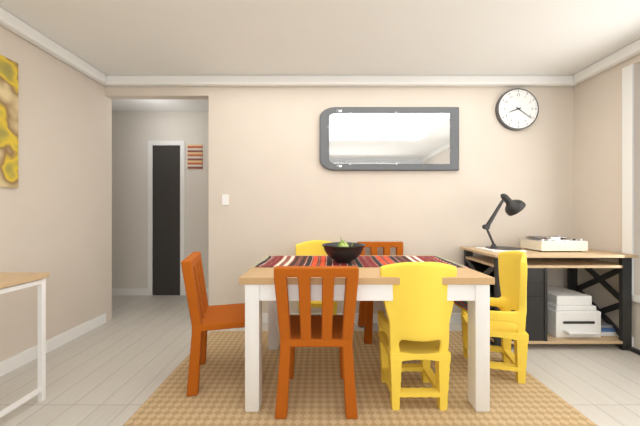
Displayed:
8,21
